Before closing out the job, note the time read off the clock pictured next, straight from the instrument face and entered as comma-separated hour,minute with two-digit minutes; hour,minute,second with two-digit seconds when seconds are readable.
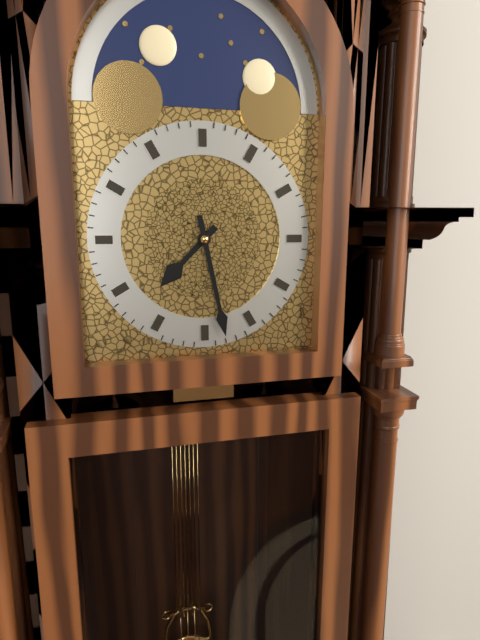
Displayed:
7,28
